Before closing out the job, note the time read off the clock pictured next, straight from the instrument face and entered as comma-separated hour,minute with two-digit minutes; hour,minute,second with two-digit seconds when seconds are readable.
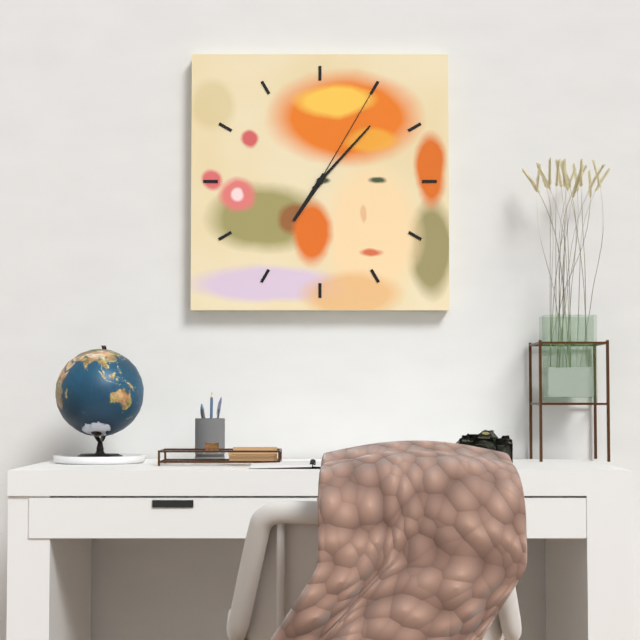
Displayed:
7,07,05
